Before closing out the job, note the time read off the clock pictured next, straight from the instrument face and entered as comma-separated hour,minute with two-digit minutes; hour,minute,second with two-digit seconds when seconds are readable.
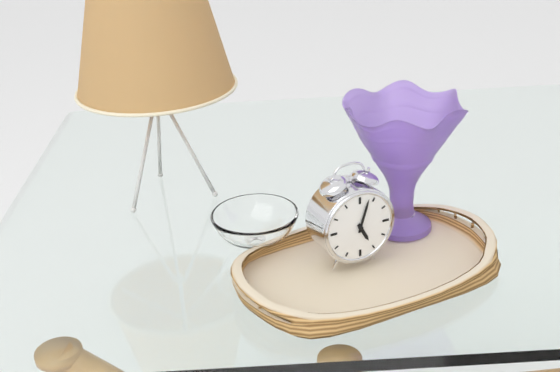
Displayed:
5,03
